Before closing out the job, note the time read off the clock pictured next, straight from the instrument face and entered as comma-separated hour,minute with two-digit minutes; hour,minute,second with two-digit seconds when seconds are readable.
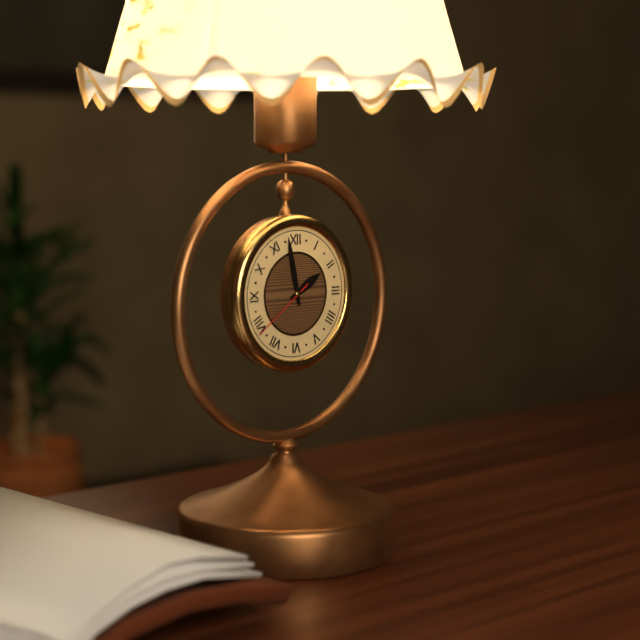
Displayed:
1,58,39
